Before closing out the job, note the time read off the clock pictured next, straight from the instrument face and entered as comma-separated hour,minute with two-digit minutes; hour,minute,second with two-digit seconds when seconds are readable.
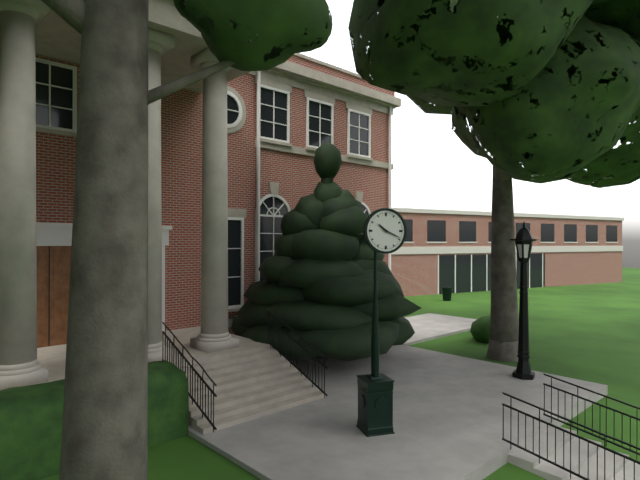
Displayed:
10,19
